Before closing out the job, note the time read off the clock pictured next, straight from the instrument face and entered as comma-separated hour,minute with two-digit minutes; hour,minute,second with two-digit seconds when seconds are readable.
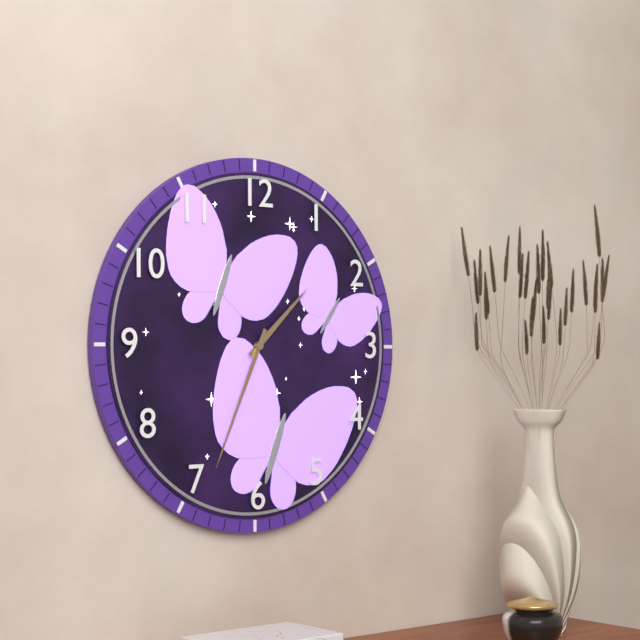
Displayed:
1,34
